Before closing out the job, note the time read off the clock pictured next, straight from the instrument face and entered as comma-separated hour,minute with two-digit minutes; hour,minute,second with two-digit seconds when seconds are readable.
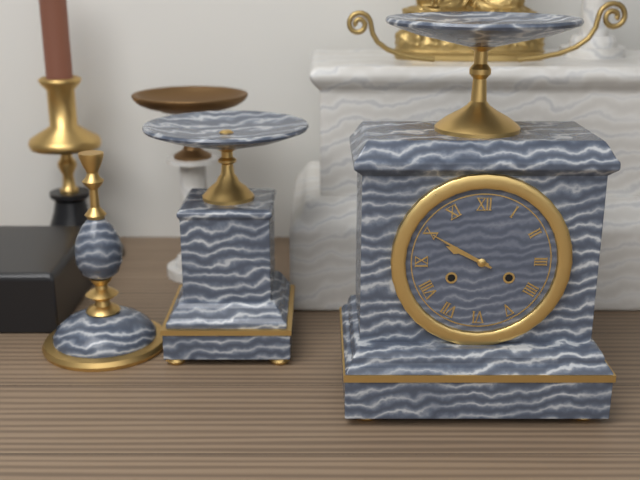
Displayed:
9,50
